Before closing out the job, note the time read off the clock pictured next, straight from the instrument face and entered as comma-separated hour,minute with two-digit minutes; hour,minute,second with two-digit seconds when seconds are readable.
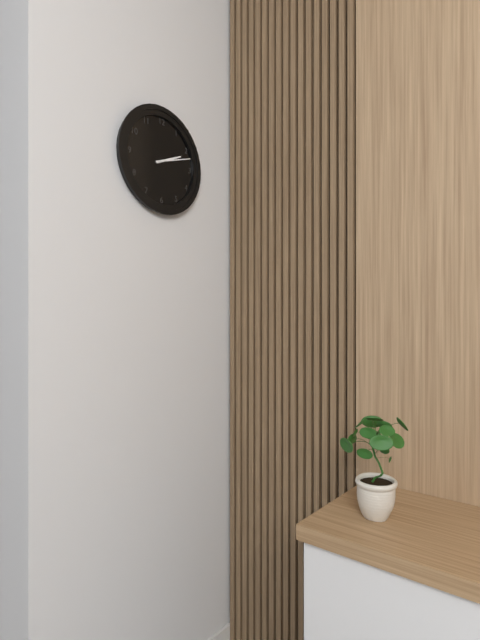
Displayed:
2,12
